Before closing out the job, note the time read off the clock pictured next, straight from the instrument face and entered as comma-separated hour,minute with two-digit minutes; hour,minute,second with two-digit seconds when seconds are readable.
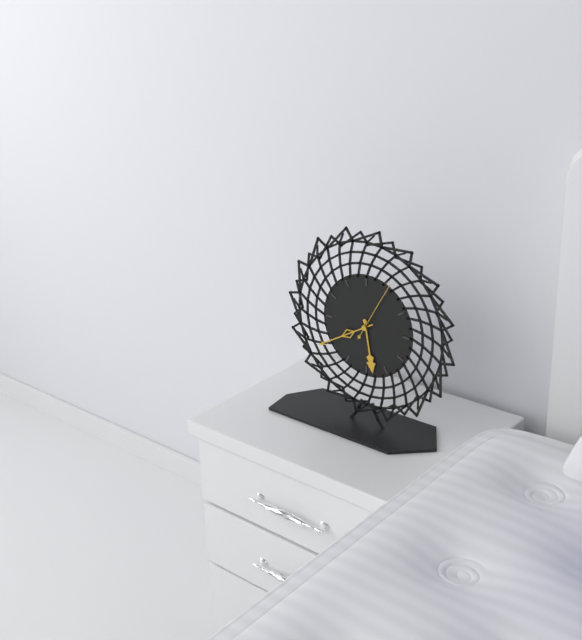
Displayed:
5,40,05
